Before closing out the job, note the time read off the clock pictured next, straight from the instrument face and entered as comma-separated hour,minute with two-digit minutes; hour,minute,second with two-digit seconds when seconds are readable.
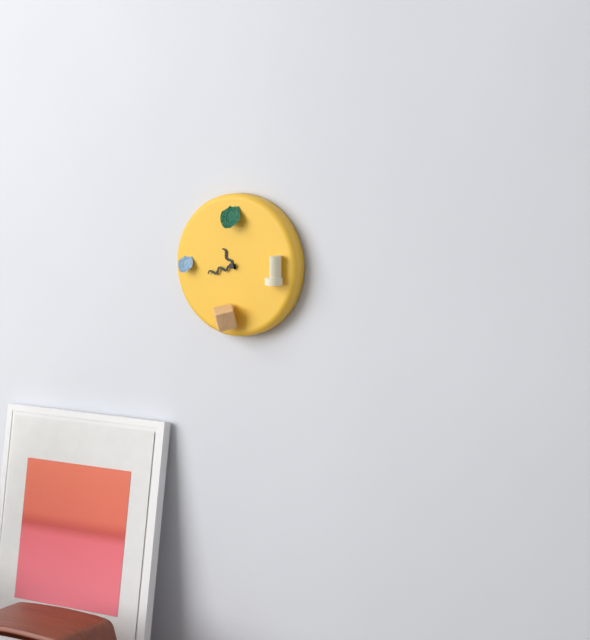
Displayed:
10,42
